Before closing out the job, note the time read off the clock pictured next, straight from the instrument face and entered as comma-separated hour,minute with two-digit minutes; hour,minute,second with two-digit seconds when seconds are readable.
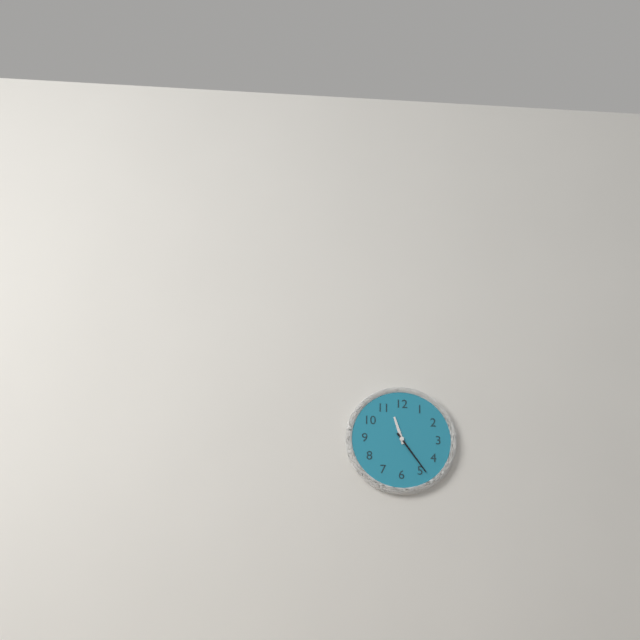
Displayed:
11,24
